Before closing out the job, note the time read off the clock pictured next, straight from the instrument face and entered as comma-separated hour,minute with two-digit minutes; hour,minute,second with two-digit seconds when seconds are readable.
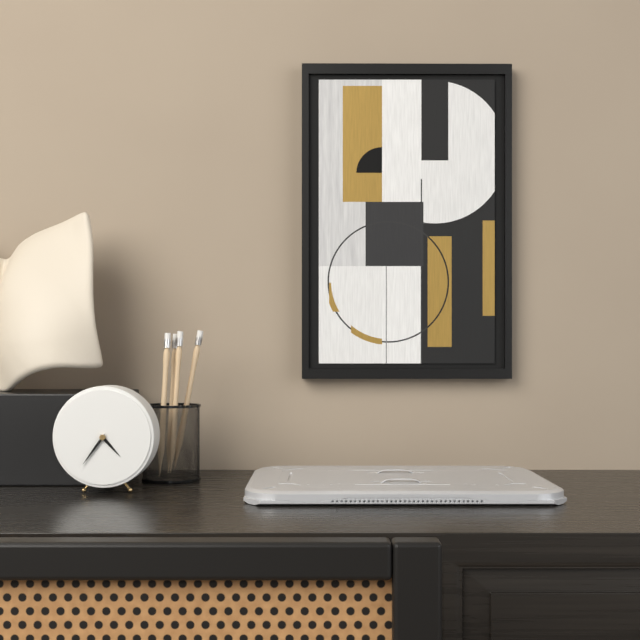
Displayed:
4,36
